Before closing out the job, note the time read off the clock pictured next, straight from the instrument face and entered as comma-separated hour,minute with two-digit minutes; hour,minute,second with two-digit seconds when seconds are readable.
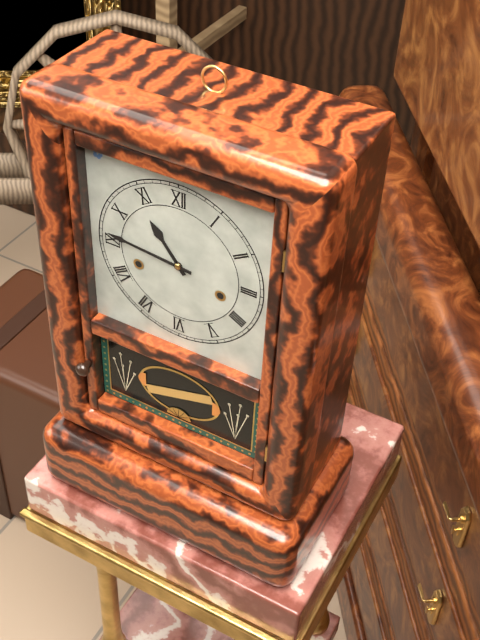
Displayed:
10,46
